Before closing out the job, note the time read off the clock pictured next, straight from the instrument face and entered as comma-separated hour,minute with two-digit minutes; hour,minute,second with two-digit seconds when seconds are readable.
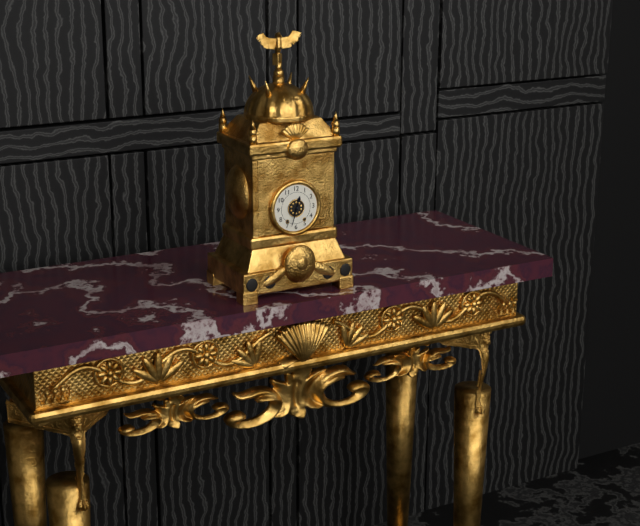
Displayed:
12,33
